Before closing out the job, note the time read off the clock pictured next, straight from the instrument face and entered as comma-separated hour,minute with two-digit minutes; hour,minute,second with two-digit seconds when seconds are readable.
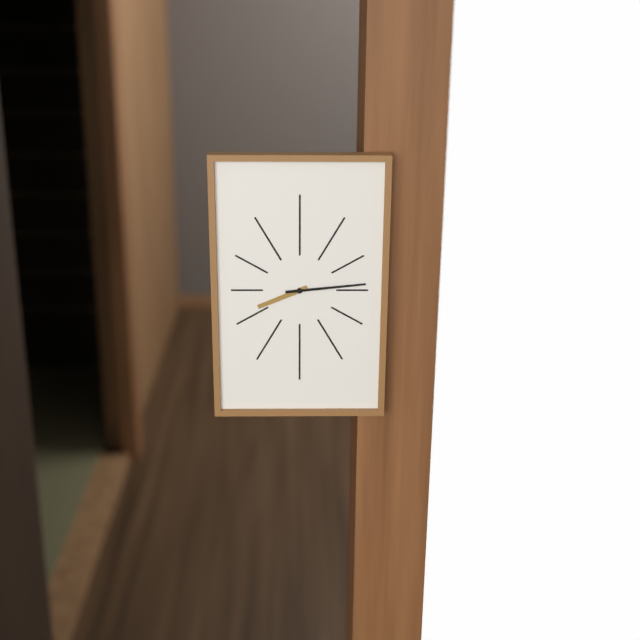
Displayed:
8,14
